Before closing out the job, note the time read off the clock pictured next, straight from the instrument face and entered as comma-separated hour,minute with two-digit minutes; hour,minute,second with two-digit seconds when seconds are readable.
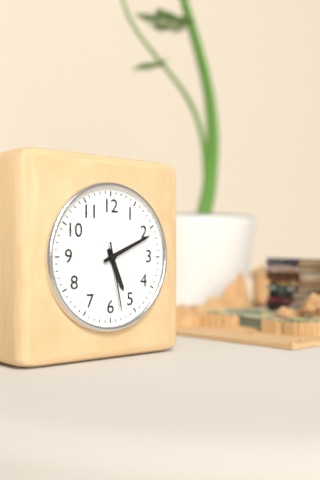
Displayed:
5,11,28
